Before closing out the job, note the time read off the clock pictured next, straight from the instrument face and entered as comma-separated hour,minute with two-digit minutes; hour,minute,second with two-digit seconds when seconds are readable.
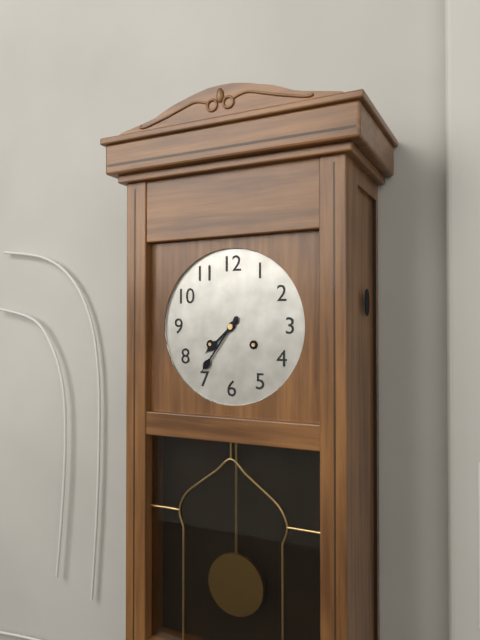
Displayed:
7,36
